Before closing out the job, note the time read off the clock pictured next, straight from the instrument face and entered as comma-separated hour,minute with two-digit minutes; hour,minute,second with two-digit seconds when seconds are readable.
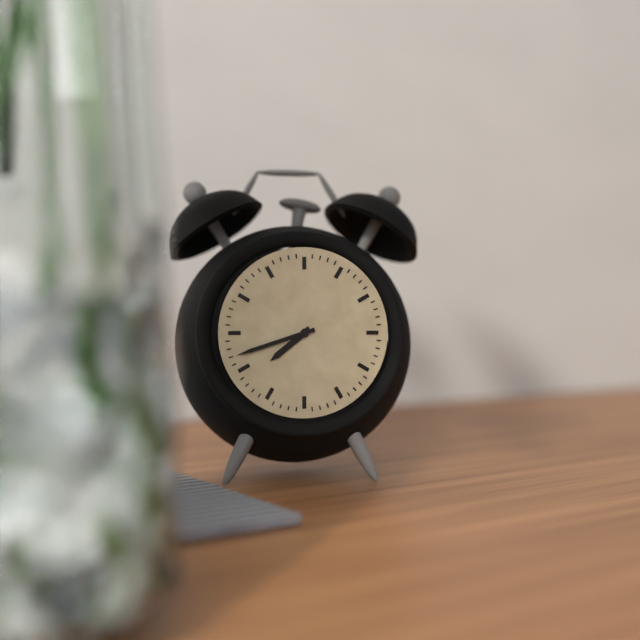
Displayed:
7,42
